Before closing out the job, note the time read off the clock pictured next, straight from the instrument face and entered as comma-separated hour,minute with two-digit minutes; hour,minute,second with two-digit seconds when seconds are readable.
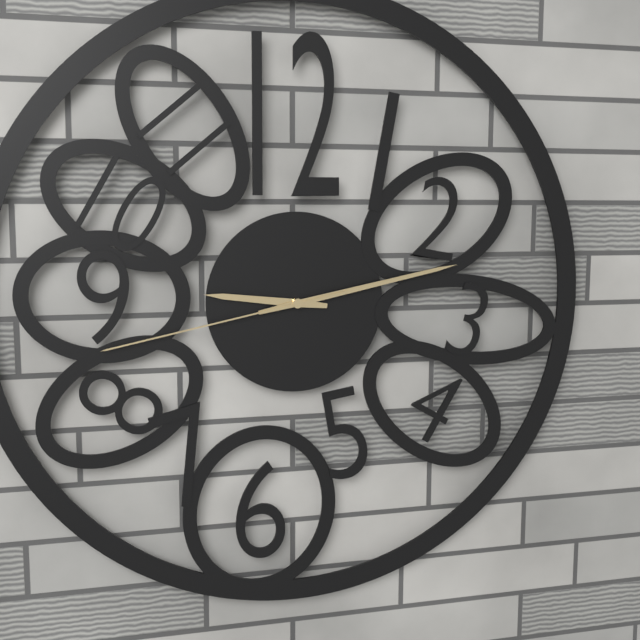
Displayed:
9,13,43
